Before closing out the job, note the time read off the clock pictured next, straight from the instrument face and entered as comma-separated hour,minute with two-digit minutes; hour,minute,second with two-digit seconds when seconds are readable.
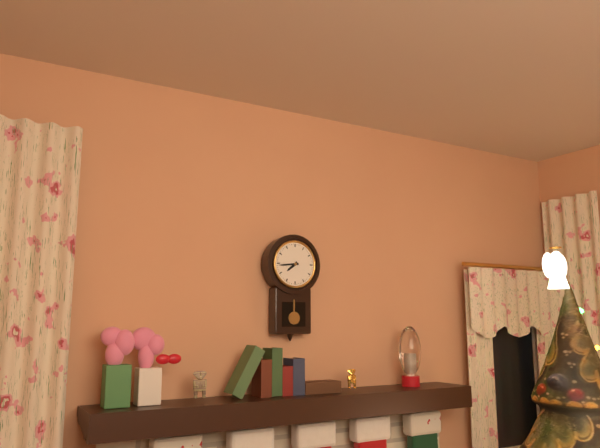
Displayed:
7,44
